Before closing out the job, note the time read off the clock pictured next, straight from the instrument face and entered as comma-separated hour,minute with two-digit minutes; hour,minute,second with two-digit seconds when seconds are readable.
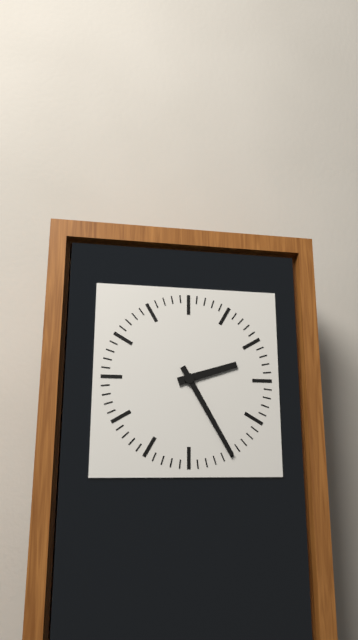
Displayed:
2,25
